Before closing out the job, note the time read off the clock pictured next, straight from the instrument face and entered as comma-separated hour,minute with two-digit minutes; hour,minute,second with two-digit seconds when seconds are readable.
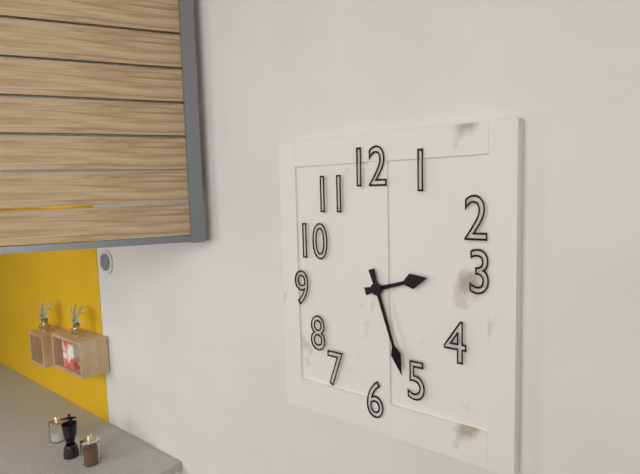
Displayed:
2,27
